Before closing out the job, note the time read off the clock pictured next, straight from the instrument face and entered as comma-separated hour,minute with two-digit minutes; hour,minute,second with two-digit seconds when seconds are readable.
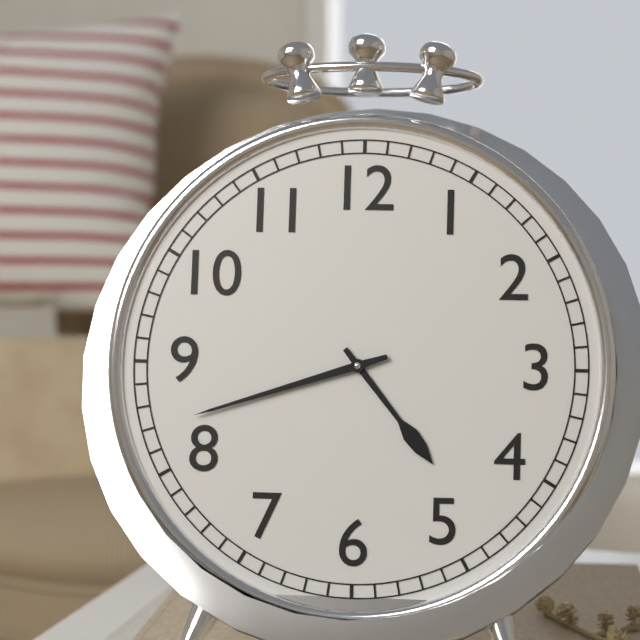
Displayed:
4,42
